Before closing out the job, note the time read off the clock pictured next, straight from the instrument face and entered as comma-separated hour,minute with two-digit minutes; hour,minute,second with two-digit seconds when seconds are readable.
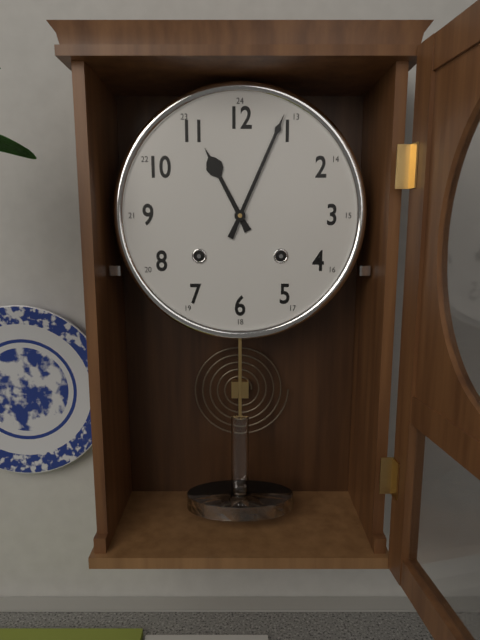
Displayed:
11,04
